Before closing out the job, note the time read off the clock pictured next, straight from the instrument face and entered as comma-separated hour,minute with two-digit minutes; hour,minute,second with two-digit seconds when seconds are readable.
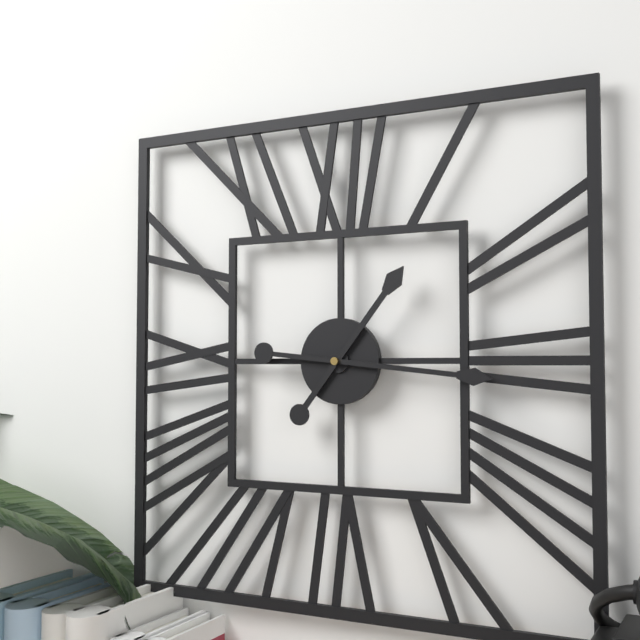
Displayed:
1,16
